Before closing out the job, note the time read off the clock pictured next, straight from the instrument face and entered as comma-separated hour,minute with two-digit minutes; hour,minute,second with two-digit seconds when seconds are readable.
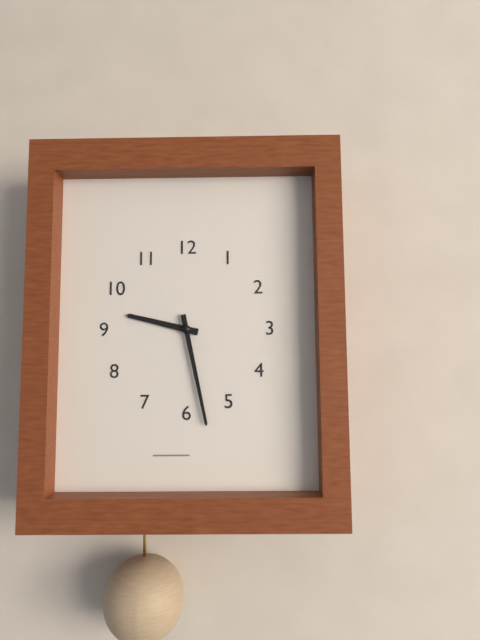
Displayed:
9,28
